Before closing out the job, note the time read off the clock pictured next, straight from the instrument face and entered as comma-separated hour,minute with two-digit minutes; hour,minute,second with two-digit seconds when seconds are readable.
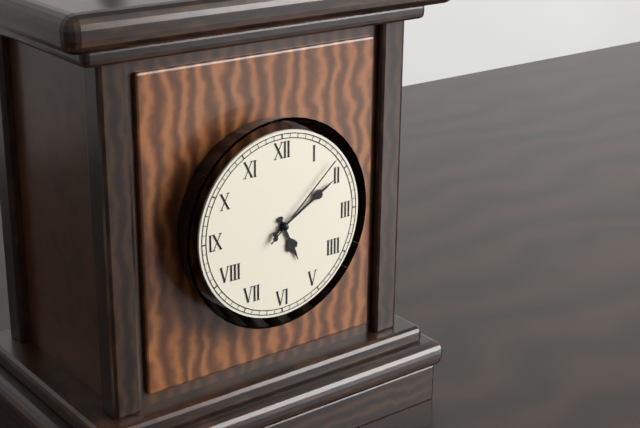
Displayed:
5,10,08
